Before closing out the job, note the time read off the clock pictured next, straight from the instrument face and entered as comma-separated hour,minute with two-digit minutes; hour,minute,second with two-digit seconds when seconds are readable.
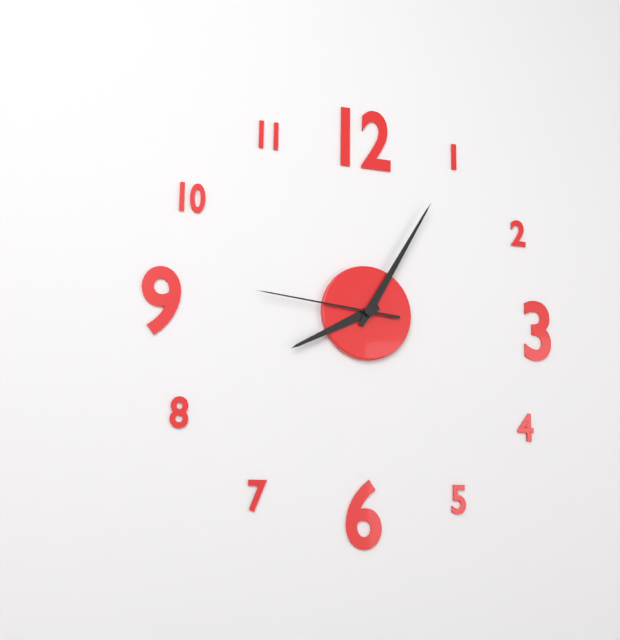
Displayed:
8,05,46
